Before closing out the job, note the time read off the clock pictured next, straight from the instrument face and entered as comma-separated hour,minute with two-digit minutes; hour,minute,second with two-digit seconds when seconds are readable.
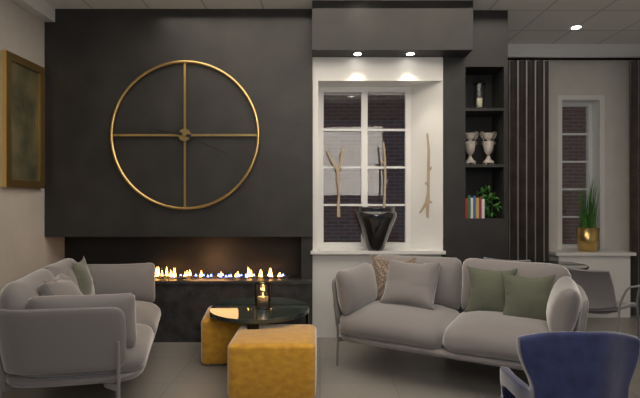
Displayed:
9,19
